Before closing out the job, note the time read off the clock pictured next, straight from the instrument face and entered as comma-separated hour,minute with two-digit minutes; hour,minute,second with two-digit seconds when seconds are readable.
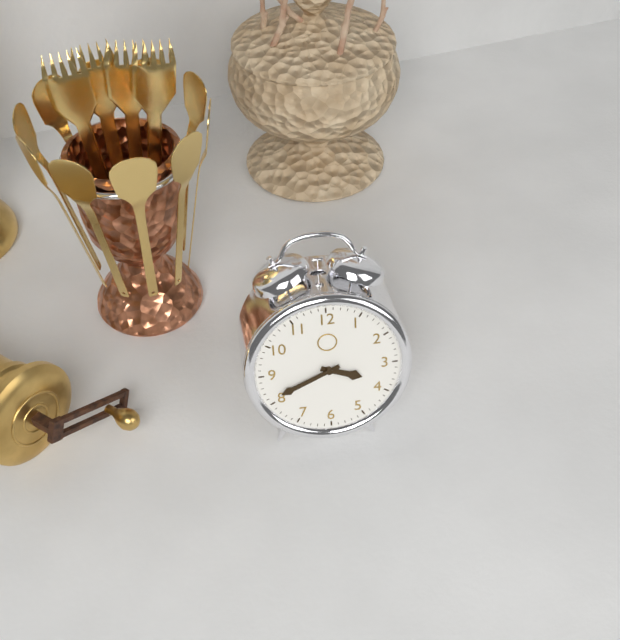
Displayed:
3,41
